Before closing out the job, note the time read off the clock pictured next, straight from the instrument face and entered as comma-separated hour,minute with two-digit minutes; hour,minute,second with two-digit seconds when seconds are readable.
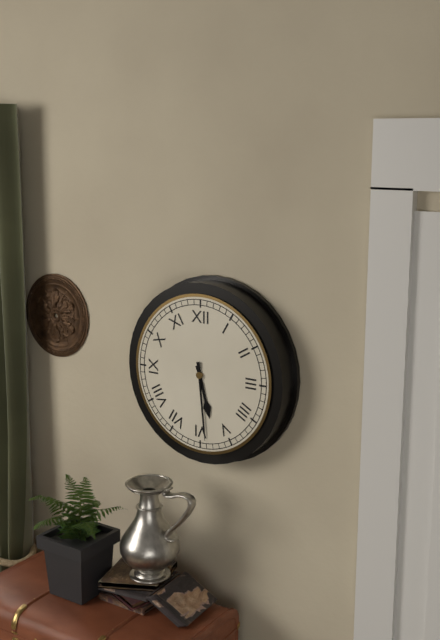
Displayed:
5,29
